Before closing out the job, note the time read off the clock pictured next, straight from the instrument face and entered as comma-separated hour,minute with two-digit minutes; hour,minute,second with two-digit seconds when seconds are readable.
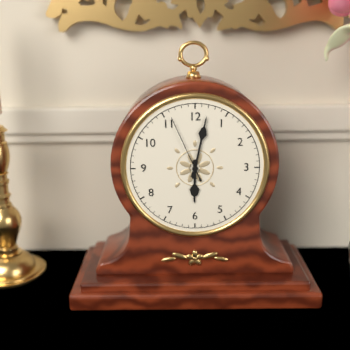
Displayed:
6,02,56
